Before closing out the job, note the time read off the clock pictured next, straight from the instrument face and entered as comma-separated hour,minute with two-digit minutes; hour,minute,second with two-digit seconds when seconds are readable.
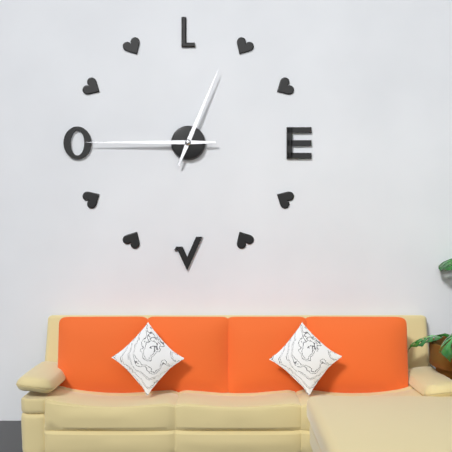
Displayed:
12,45
